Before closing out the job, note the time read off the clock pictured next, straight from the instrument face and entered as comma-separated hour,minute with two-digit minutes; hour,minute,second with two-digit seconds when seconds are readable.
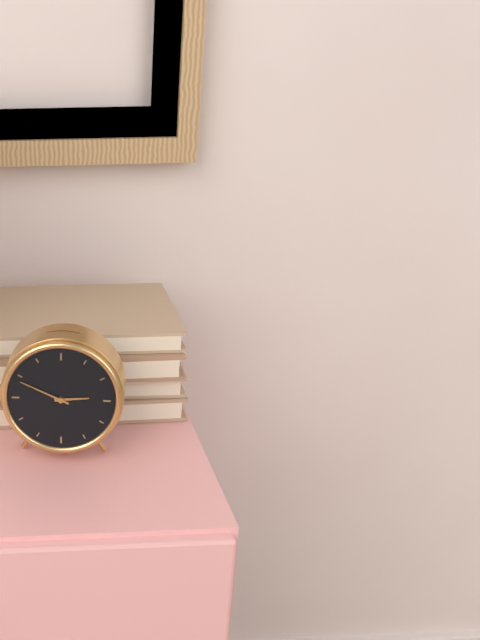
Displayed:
2,49
